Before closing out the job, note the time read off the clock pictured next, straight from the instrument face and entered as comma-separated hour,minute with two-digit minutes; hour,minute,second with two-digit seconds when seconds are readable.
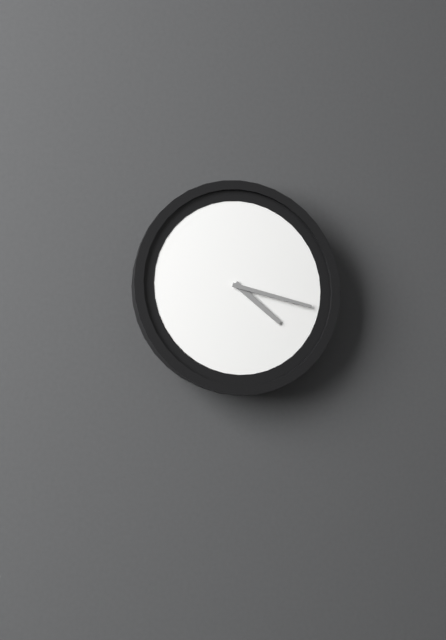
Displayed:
4,17
